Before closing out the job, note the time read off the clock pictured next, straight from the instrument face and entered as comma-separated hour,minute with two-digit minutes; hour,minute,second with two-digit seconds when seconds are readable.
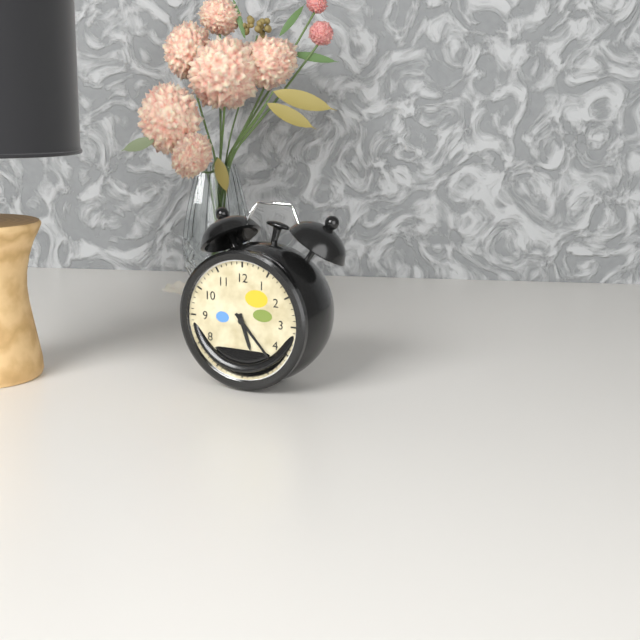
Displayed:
5,23
